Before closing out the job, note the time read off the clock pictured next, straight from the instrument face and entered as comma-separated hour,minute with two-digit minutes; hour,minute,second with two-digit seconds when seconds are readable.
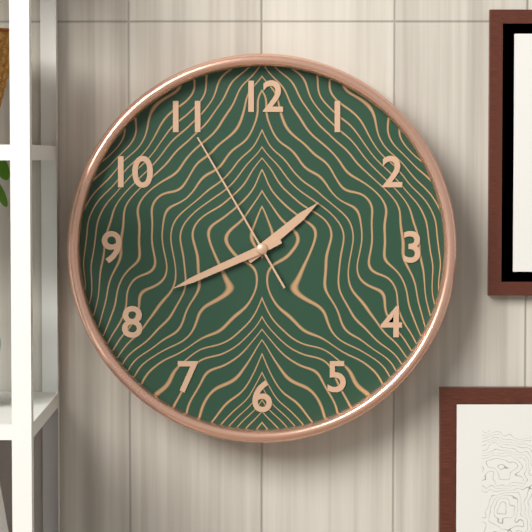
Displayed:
1,41,55
